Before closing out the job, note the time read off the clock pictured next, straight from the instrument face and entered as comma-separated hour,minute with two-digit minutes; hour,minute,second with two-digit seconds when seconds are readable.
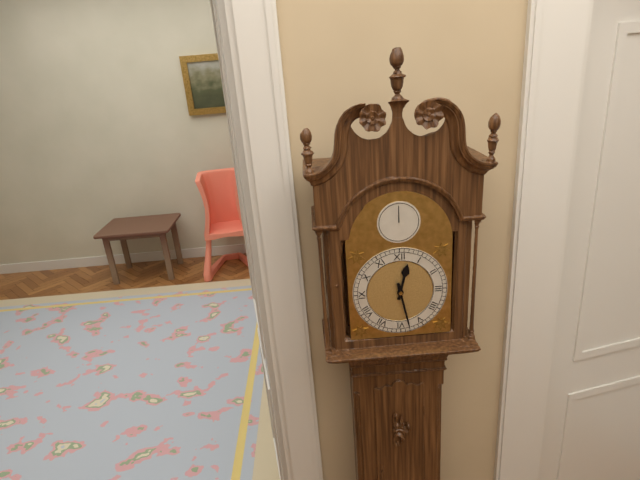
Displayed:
12,28
